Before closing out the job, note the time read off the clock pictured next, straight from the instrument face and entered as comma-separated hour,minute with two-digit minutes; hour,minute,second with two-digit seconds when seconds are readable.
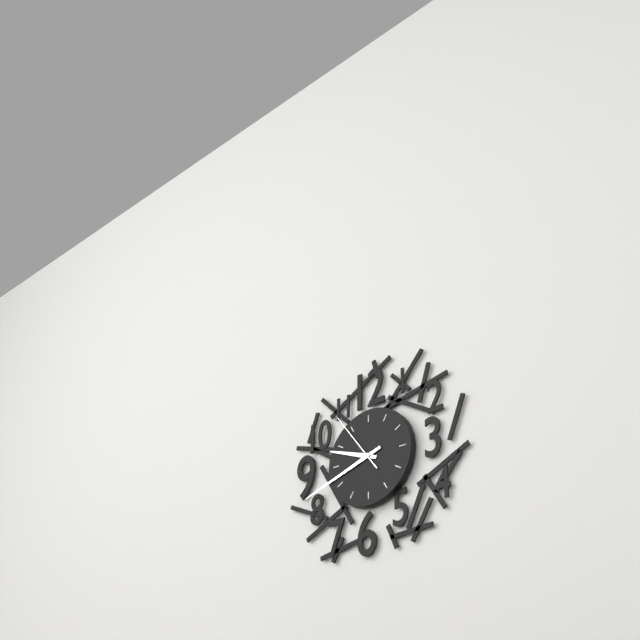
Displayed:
9,42,54
